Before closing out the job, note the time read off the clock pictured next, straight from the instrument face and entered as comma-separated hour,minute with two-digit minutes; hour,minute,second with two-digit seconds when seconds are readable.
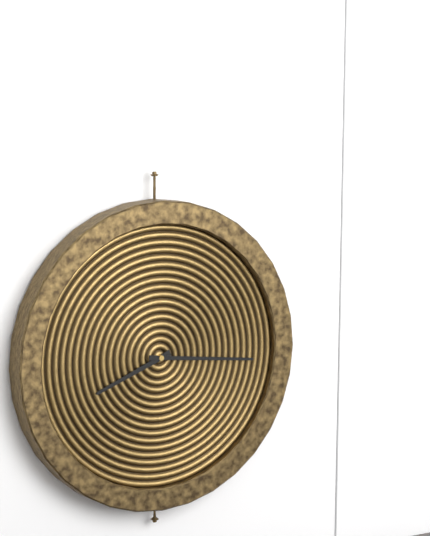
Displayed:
8,16
